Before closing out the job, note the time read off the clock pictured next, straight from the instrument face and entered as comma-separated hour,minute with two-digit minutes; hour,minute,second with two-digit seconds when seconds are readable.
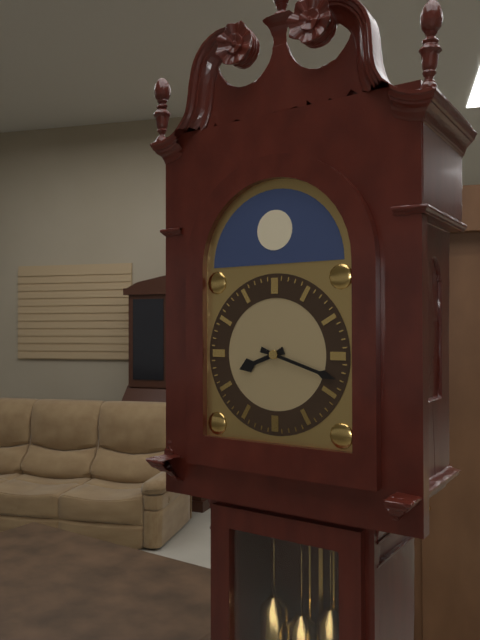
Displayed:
8,18
